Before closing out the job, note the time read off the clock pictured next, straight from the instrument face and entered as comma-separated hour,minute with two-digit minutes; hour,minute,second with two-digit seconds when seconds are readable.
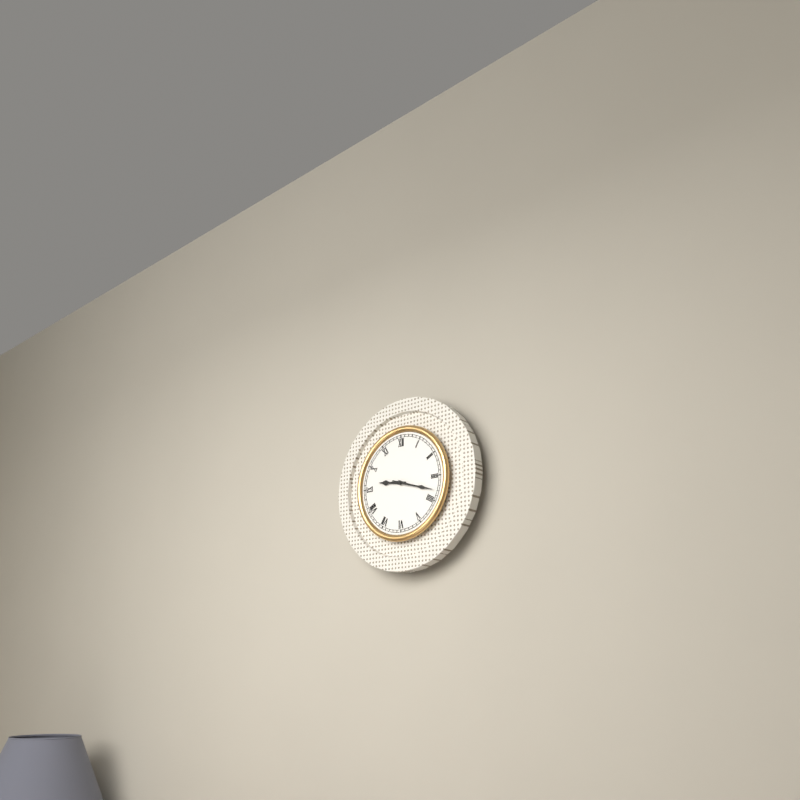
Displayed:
9,18
